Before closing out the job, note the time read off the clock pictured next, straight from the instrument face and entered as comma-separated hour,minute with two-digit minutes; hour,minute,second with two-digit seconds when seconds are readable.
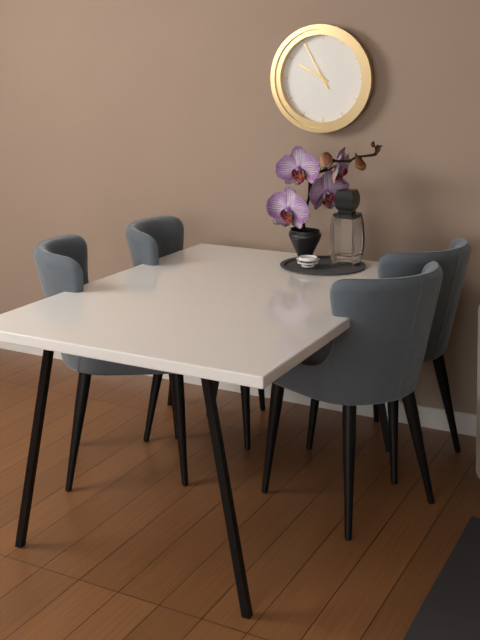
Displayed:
9,55
